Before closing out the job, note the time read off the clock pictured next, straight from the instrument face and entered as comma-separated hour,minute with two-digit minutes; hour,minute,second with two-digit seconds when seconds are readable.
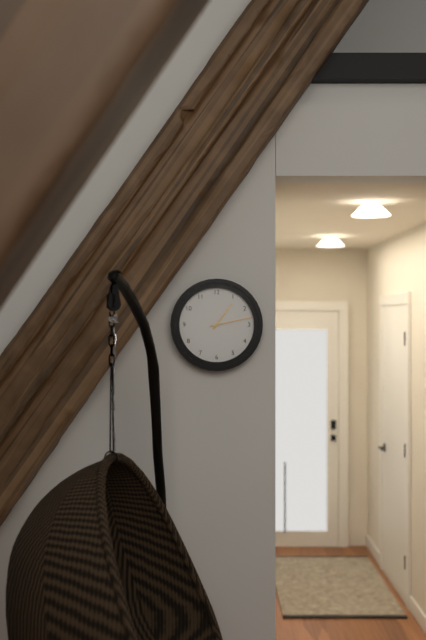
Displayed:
1,13
